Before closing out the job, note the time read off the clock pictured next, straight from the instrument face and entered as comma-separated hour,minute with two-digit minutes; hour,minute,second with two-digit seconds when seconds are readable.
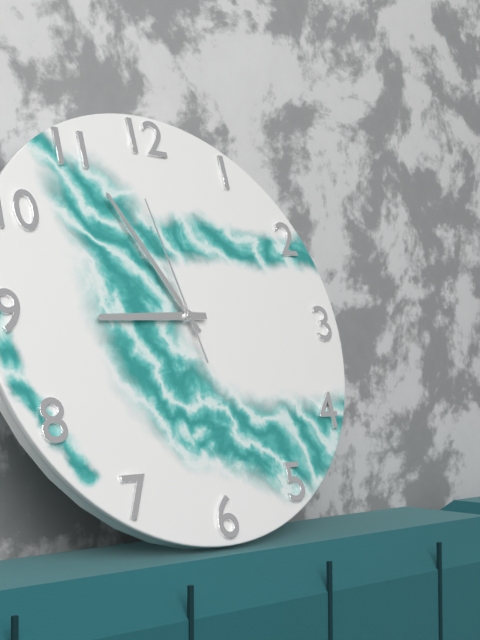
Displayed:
8,55,58
